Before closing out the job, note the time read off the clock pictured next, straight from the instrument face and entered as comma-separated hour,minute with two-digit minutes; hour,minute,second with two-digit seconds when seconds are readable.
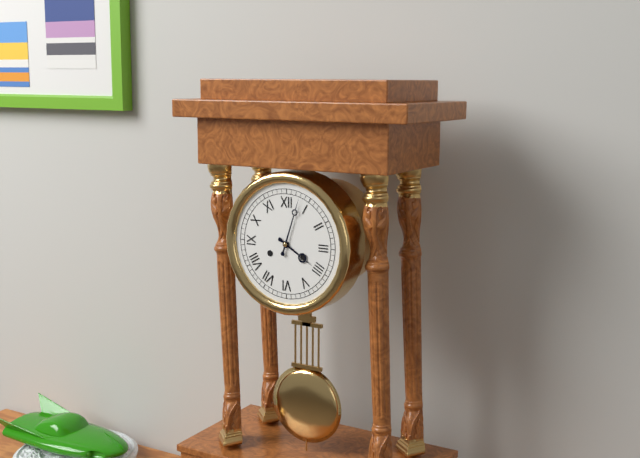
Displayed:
4,03
